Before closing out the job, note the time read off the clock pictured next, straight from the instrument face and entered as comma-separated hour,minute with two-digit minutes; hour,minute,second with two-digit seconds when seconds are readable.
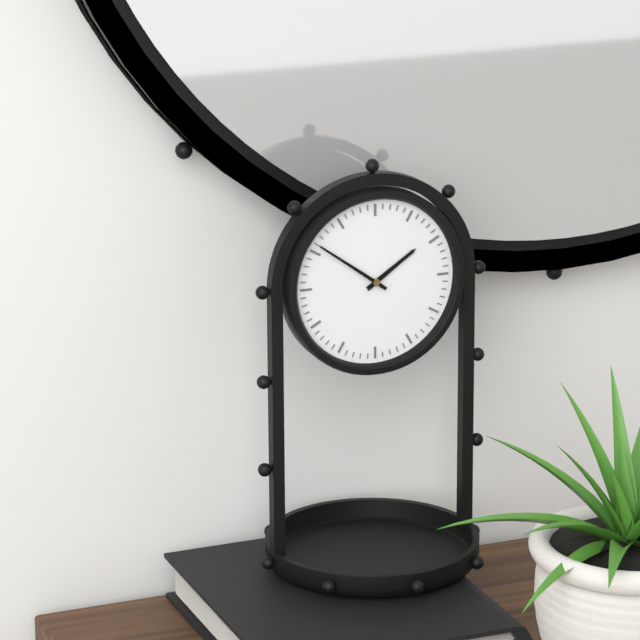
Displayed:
1,51
